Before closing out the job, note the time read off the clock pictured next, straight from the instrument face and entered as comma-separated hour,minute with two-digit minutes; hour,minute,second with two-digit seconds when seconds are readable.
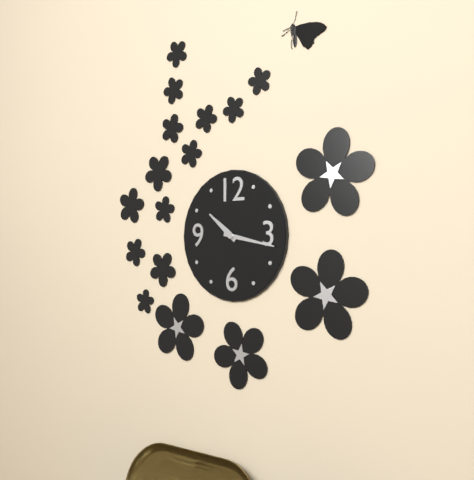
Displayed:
10,17
